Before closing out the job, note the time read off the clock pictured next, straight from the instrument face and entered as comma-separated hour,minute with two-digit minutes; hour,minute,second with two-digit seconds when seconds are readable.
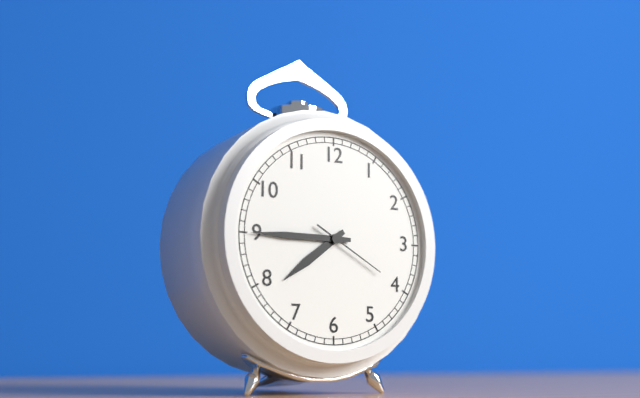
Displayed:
7,45,20
